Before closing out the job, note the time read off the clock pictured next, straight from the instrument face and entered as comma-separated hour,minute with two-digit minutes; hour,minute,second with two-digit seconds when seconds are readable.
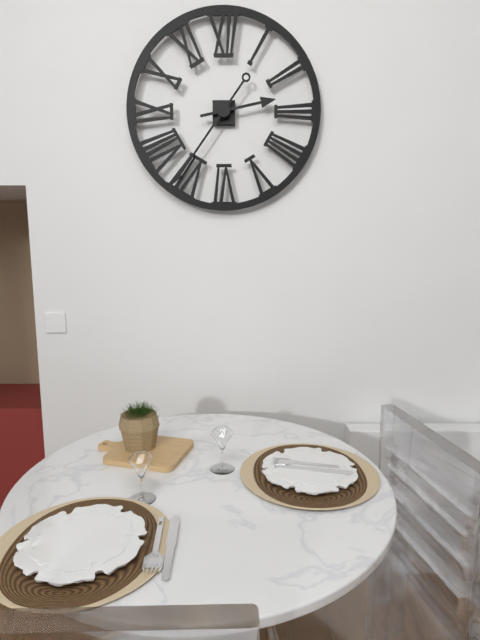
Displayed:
2,36
